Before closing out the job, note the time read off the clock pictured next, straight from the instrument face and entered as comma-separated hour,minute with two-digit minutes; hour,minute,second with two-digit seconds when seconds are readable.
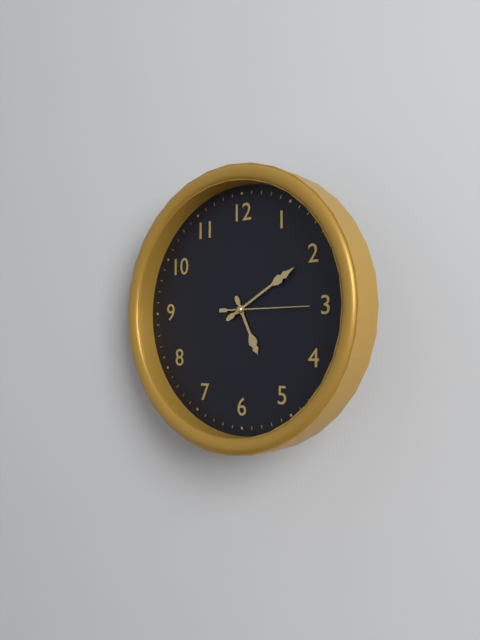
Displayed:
5,10,15
